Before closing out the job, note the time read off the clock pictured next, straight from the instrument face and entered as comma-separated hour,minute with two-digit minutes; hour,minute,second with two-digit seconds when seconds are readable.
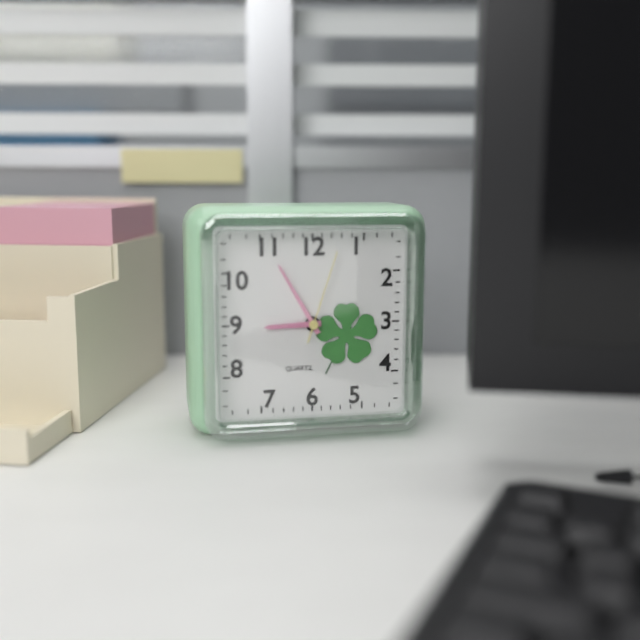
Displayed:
8,55,03
